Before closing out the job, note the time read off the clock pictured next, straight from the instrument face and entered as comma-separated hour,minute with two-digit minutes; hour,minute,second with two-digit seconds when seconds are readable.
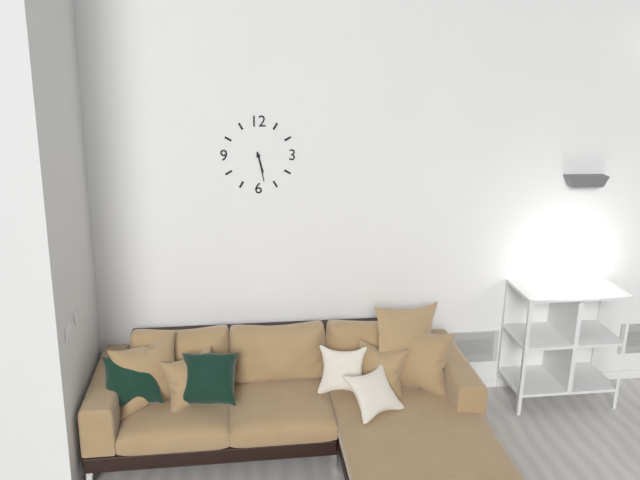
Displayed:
5,28
